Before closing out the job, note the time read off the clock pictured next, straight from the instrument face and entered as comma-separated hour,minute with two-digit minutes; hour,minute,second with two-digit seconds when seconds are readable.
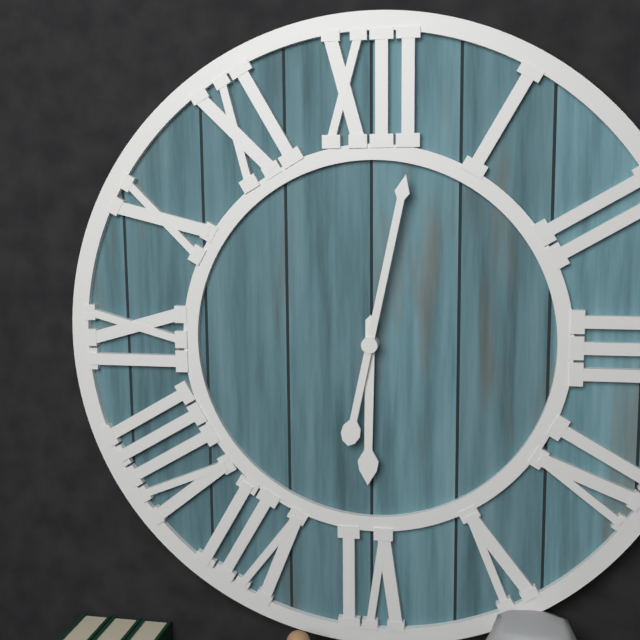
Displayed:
6,02
